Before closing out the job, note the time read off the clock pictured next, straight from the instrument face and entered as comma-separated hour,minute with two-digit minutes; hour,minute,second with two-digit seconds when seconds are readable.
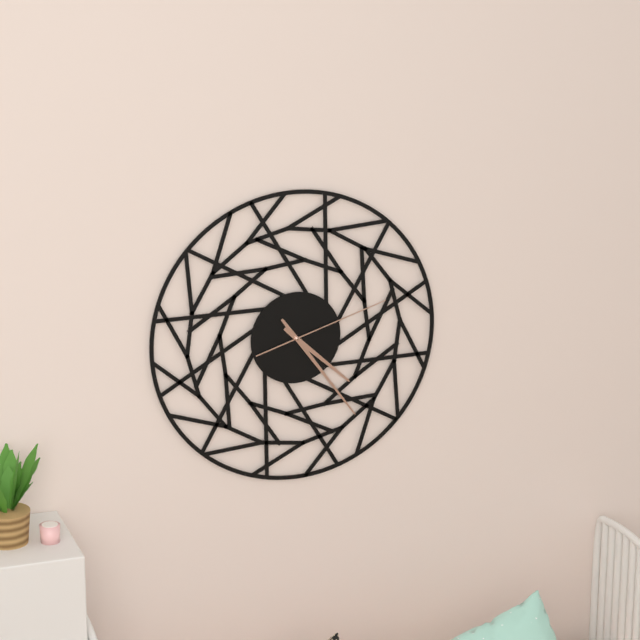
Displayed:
4,24,12
